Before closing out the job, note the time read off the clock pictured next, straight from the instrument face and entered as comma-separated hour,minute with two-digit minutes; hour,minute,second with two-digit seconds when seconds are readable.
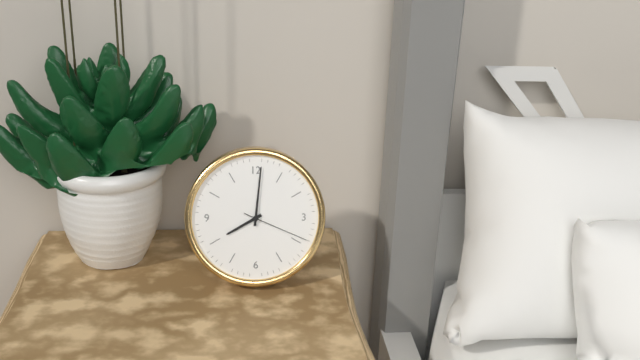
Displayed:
8,01,19
